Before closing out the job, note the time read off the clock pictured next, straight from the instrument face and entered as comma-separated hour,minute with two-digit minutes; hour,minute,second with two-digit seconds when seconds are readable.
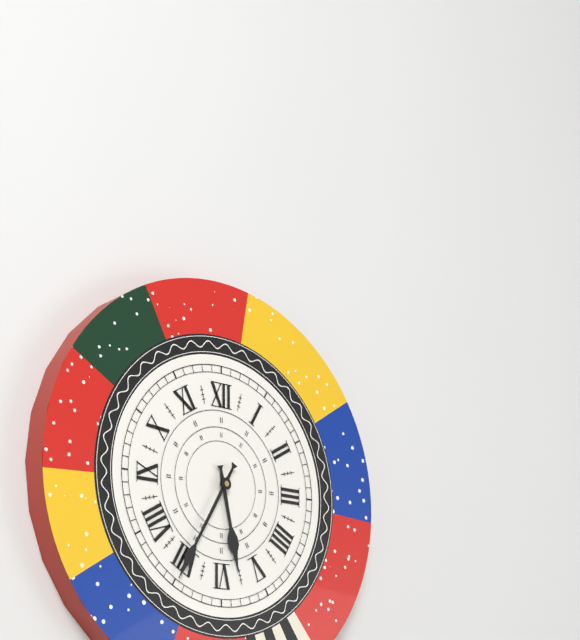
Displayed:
5,35
